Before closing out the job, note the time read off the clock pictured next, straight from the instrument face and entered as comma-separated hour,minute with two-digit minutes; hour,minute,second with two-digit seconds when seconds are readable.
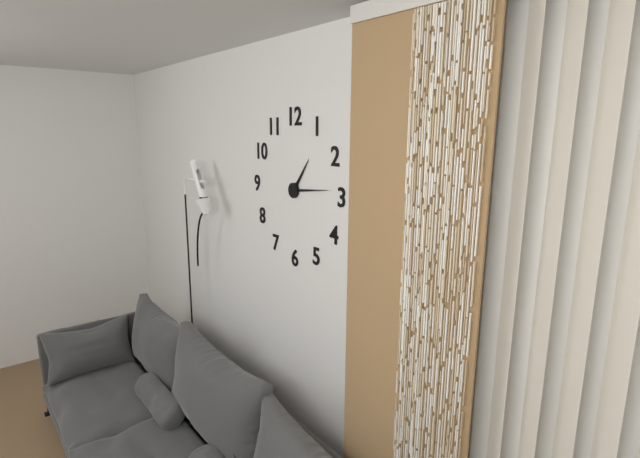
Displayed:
1,14
